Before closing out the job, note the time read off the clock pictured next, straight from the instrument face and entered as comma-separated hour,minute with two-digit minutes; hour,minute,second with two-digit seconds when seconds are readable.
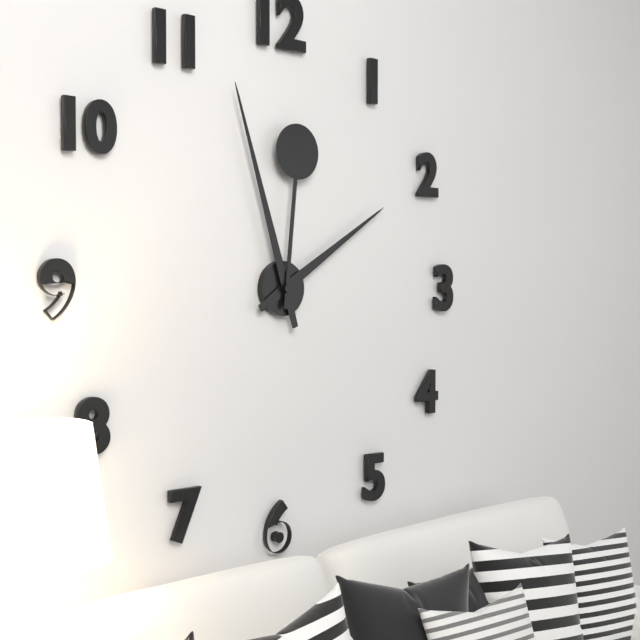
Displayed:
1,57,01
